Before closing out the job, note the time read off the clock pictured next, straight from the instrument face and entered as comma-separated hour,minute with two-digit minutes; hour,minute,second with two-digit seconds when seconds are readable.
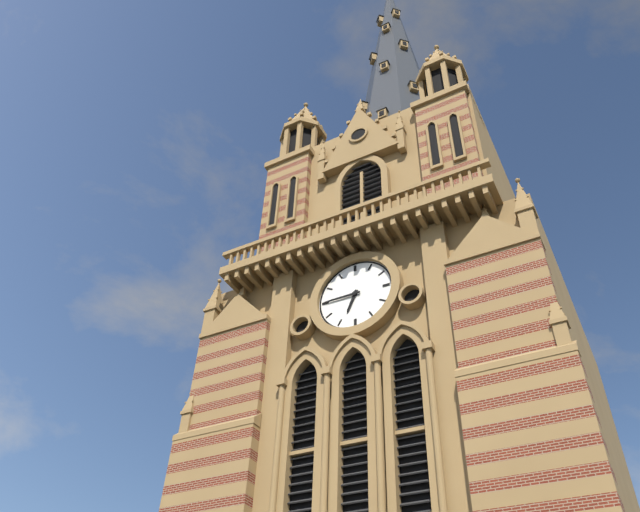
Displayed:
6,45
